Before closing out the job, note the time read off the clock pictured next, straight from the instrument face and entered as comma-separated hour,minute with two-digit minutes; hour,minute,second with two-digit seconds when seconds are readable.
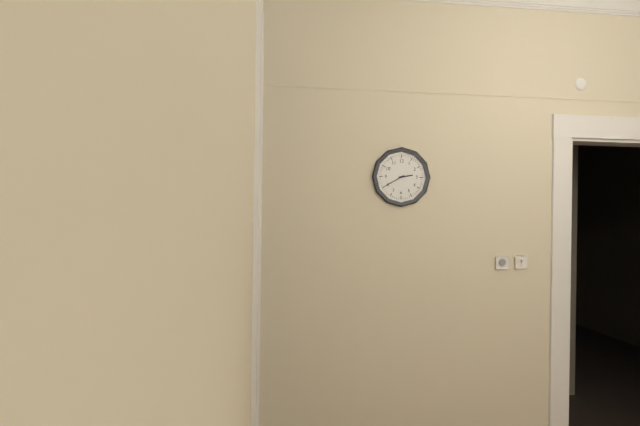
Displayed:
2,40
